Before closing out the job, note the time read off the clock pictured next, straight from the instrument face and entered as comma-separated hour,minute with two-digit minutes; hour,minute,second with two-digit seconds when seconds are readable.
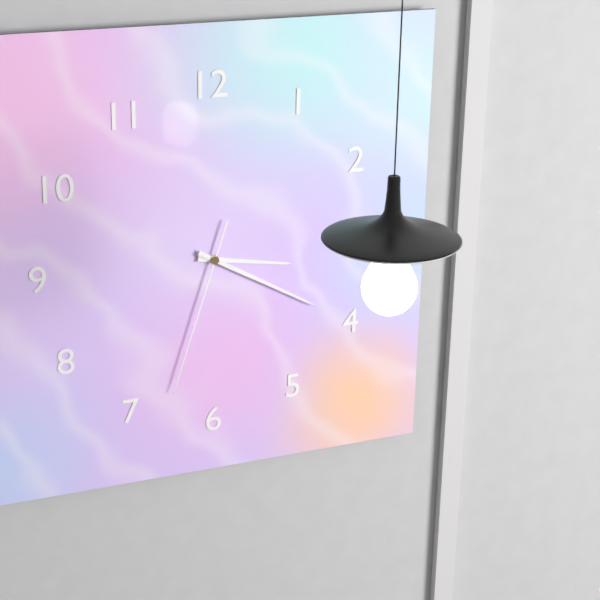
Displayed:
3,20,33
